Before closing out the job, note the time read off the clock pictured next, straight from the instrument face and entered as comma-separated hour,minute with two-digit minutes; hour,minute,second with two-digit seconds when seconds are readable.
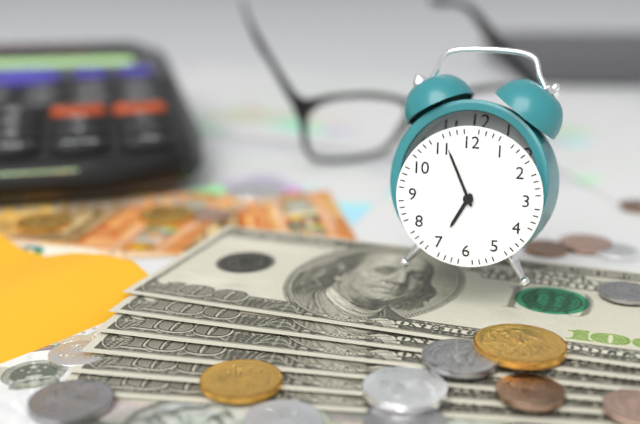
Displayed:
6,56
